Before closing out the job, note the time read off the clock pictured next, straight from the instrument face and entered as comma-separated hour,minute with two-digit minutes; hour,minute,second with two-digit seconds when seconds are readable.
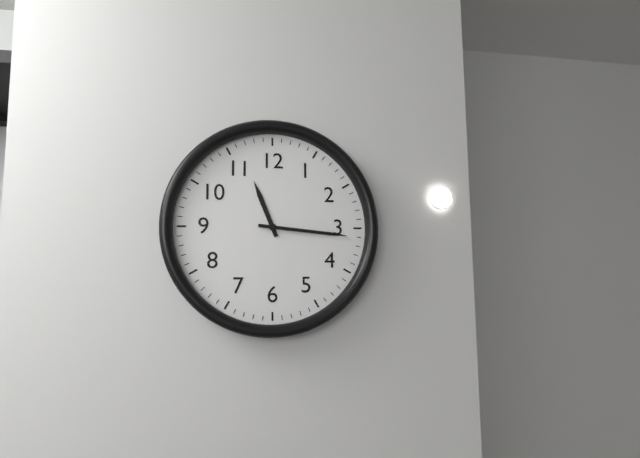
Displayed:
11,16
